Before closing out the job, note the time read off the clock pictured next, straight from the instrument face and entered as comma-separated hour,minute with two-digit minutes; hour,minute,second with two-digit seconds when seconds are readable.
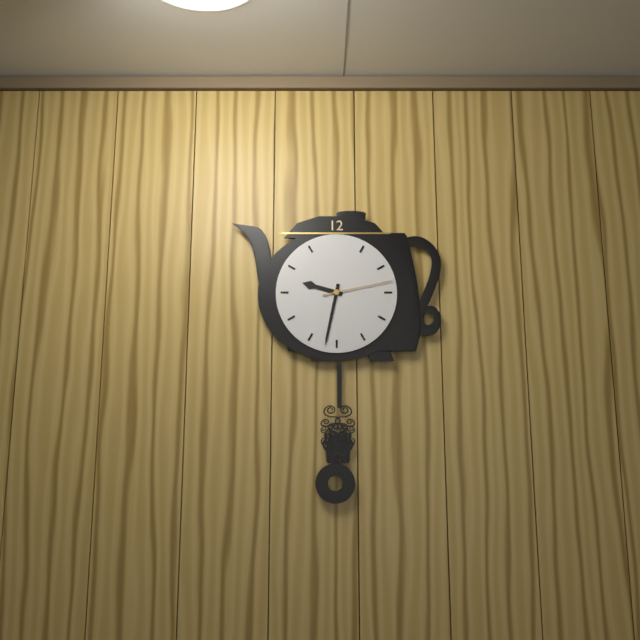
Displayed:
9,32,13
